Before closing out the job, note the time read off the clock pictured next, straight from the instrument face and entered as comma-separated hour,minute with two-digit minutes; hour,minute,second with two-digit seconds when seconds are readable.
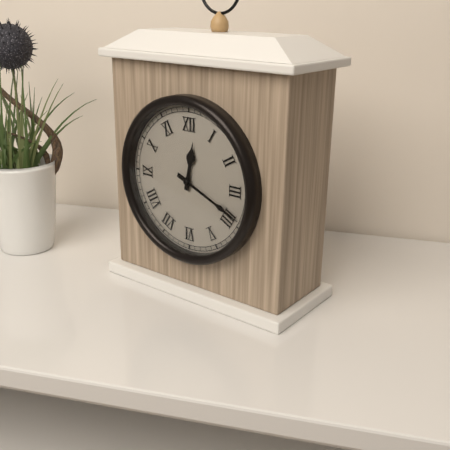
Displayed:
12,19
